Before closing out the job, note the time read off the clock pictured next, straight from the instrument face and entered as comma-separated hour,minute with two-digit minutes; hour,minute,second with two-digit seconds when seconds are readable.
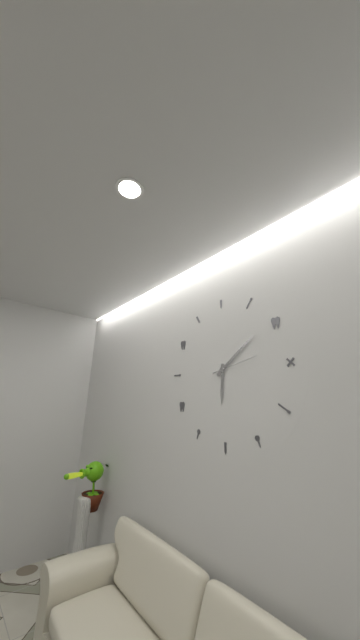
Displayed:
6,09
